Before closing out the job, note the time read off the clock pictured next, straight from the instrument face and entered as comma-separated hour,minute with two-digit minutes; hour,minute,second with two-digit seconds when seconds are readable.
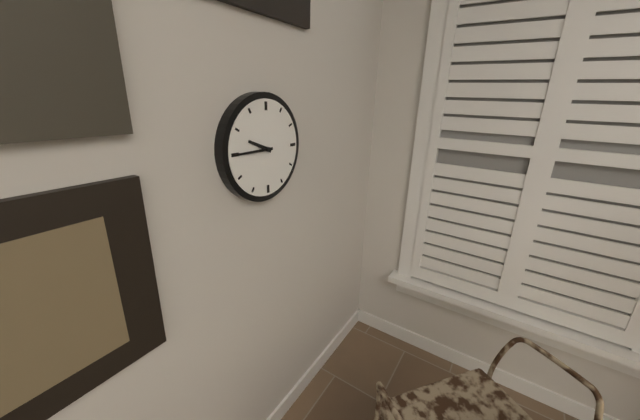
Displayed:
9,45
